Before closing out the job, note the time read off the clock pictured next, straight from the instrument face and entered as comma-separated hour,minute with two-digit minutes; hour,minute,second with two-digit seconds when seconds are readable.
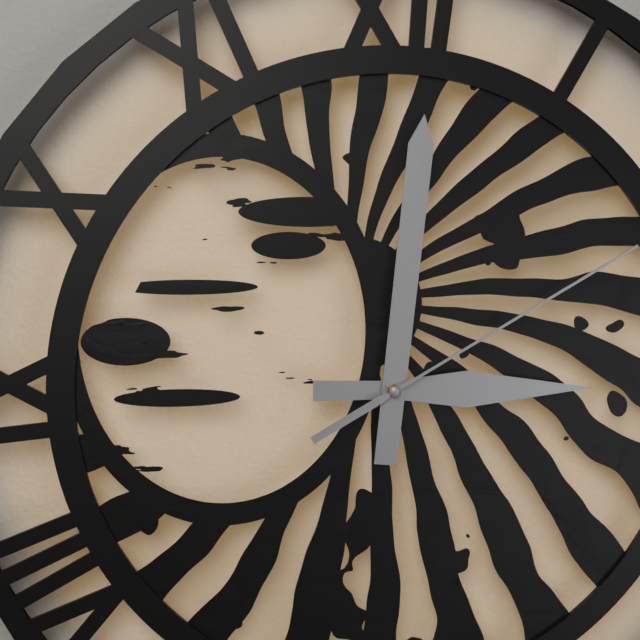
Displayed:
3,01,10
